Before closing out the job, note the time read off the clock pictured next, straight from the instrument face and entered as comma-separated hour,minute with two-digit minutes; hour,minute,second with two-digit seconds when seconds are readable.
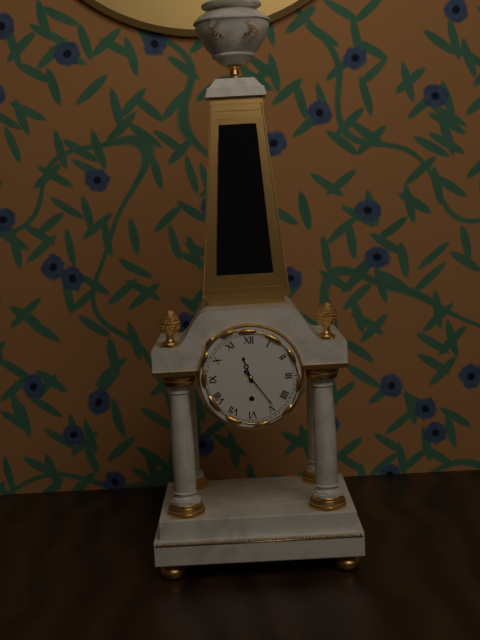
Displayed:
11,24
